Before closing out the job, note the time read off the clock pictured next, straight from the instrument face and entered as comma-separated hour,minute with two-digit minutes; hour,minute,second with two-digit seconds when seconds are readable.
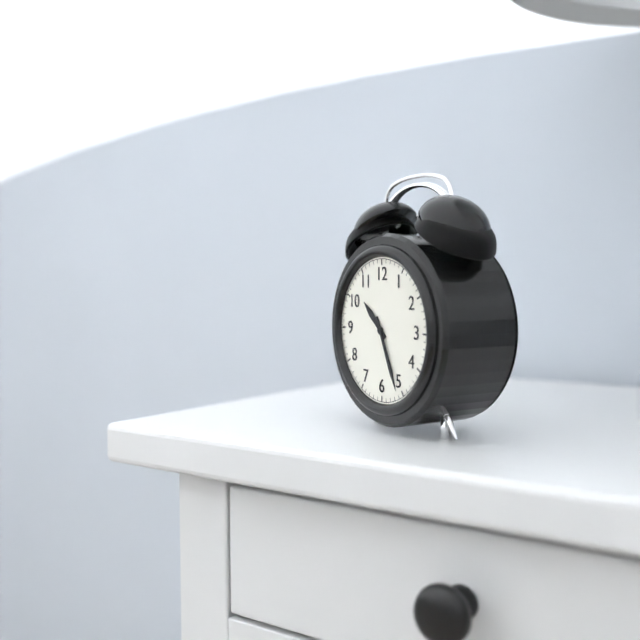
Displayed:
10,26
